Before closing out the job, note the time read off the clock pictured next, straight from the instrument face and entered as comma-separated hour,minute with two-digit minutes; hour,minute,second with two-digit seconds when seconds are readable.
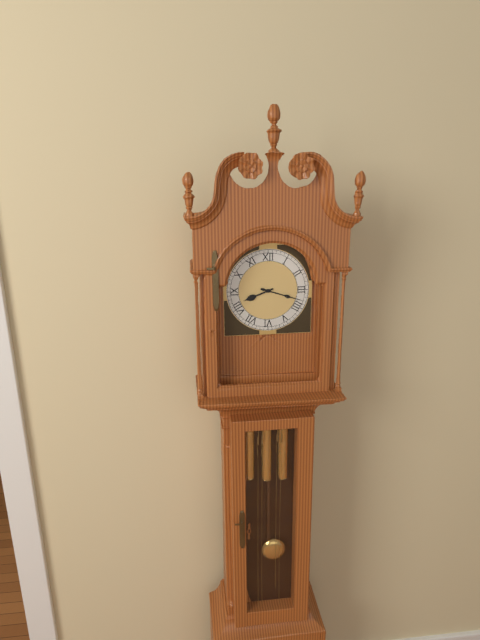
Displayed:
8,18
